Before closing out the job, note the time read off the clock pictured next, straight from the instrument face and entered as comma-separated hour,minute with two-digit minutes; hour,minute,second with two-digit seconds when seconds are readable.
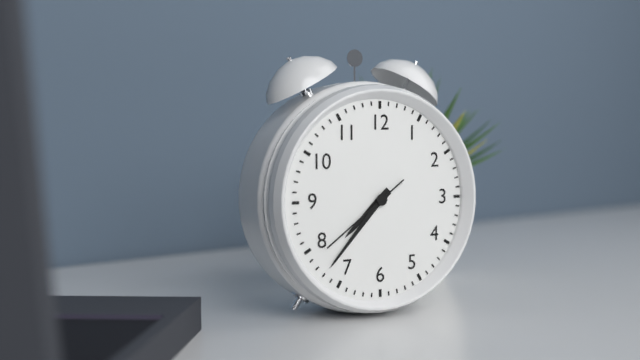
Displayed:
7,37,39
